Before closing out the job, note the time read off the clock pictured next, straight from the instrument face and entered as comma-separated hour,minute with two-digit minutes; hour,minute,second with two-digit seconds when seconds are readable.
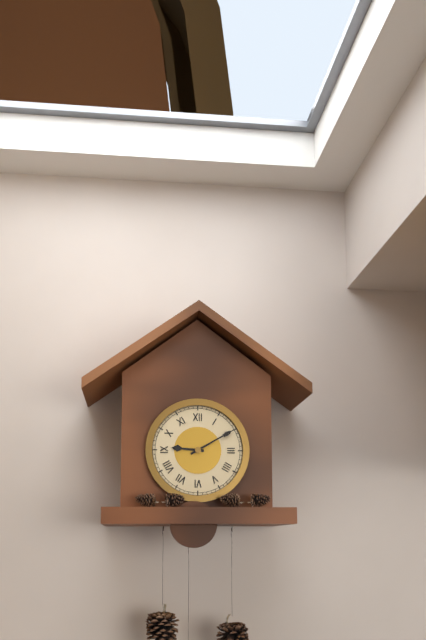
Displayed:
9,10
